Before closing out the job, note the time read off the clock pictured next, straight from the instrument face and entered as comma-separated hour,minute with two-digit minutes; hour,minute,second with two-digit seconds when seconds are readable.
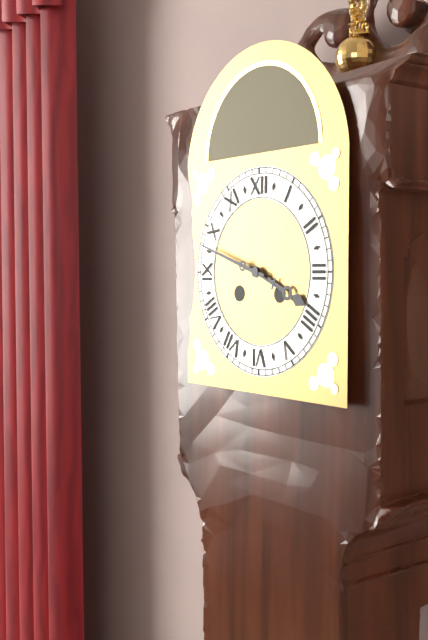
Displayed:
3,48
